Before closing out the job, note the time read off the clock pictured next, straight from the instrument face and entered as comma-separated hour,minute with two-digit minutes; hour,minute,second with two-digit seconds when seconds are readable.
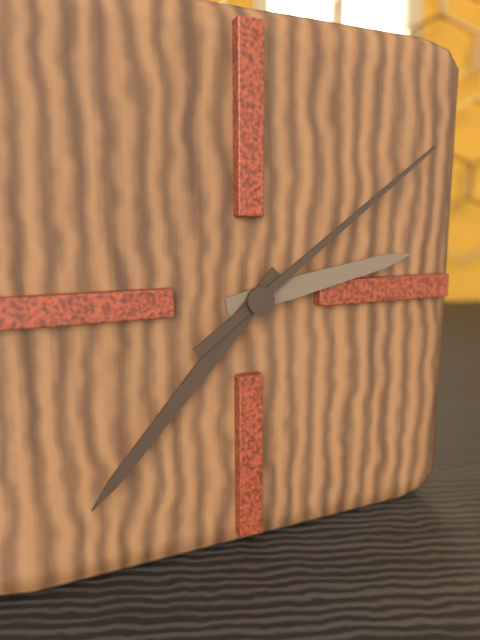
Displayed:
2,37,09
